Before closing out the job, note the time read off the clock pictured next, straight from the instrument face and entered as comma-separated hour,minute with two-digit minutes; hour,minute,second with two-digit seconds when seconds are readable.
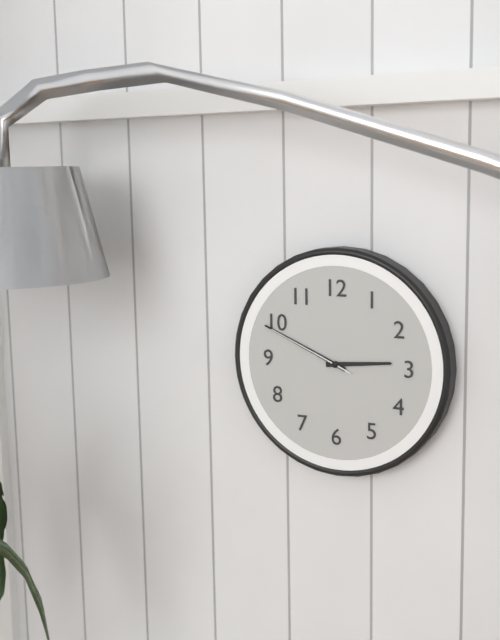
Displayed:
2,49,49
